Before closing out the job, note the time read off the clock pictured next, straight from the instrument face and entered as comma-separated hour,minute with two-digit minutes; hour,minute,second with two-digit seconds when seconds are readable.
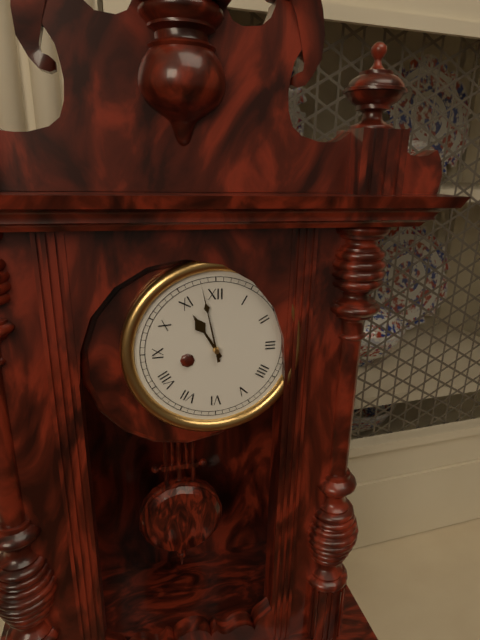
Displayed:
10,58
